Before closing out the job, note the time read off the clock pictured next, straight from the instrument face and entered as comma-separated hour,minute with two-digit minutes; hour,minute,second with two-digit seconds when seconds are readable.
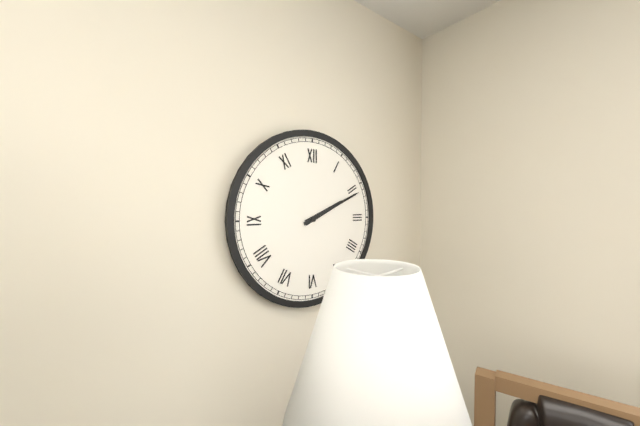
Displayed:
2,11
